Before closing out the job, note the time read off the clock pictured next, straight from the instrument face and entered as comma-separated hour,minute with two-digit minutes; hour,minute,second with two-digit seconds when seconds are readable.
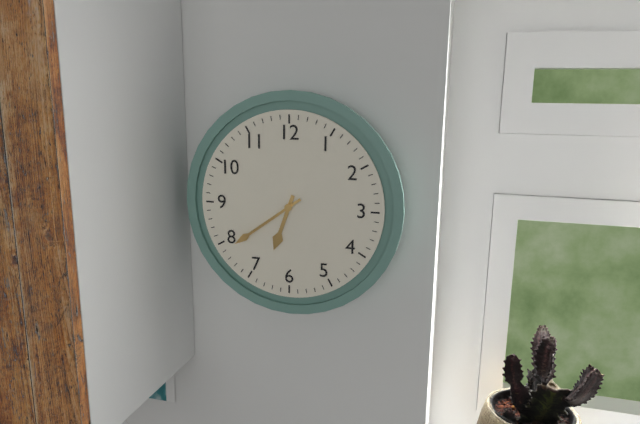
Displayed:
6,39
